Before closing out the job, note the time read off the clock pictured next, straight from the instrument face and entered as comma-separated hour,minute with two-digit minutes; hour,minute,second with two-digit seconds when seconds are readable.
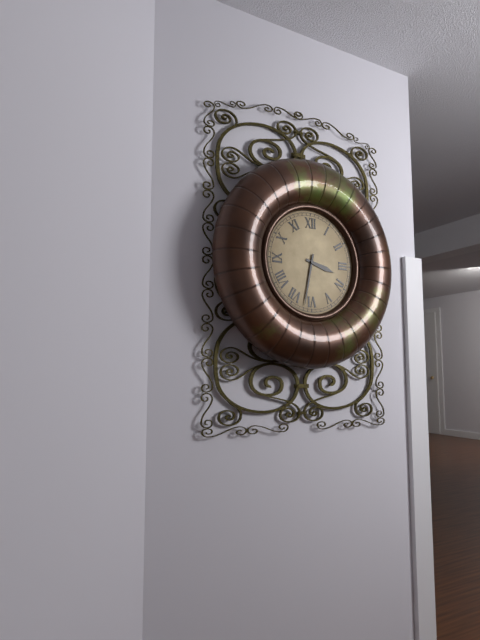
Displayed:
3,32
